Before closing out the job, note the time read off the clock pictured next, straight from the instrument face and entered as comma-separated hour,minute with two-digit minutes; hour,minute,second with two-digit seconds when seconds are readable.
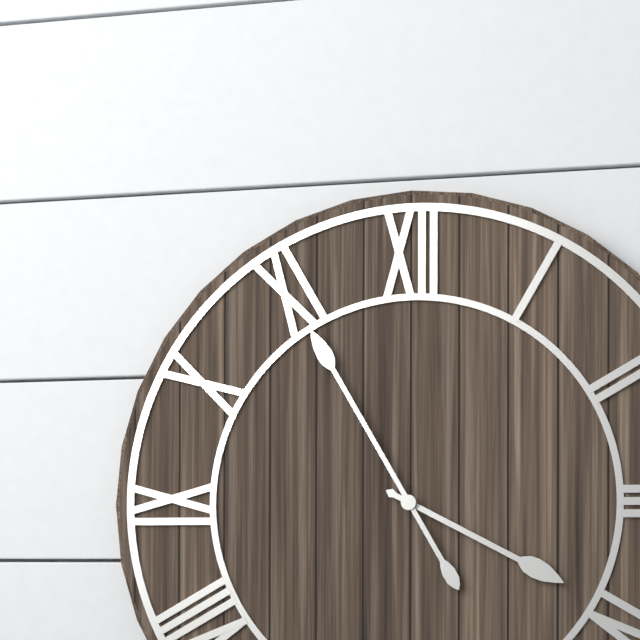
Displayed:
3,55
